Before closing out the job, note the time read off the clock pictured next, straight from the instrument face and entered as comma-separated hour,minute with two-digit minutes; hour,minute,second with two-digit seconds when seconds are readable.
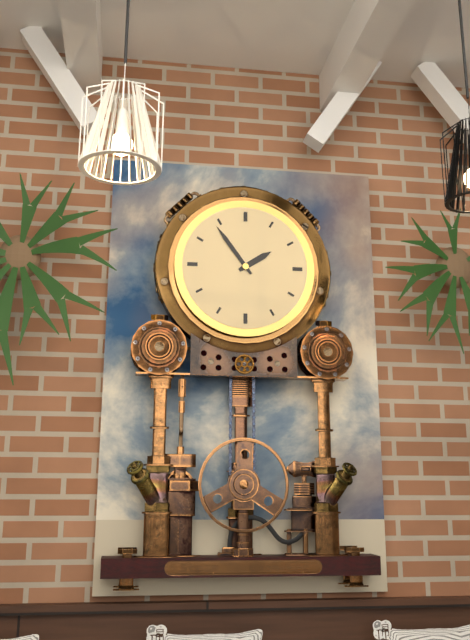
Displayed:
1,54
